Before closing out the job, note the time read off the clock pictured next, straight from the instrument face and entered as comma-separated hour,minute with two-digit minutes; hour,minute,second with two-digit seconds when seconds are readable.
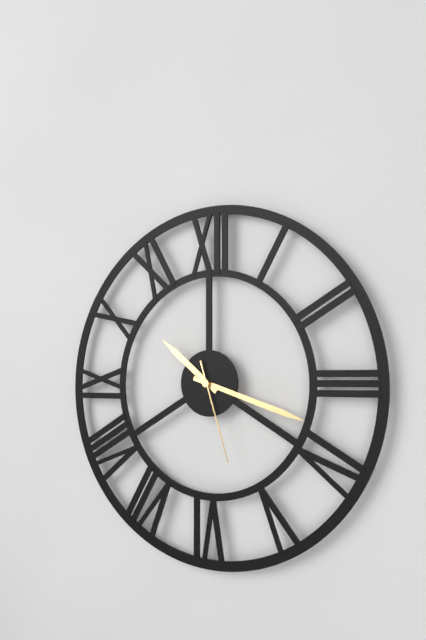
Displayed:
10,18,27
